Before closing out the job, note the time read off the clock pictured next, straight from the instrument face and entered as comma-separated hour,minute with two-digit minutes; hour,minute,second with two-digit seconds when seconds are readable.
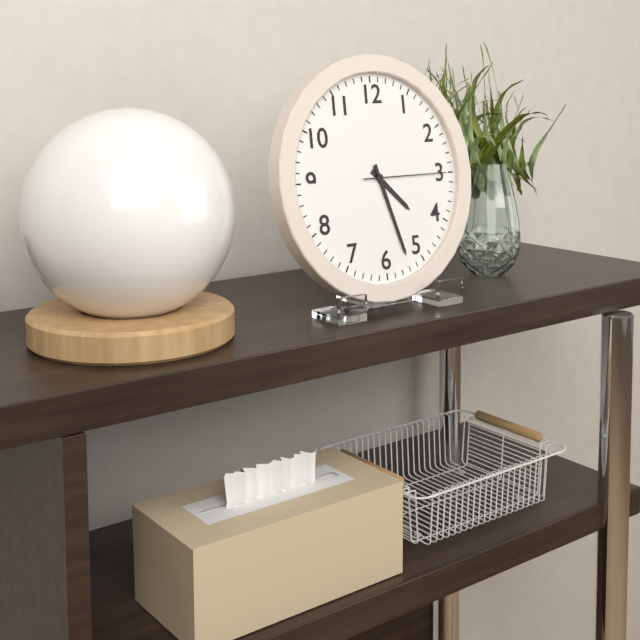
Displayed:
4,27,15
